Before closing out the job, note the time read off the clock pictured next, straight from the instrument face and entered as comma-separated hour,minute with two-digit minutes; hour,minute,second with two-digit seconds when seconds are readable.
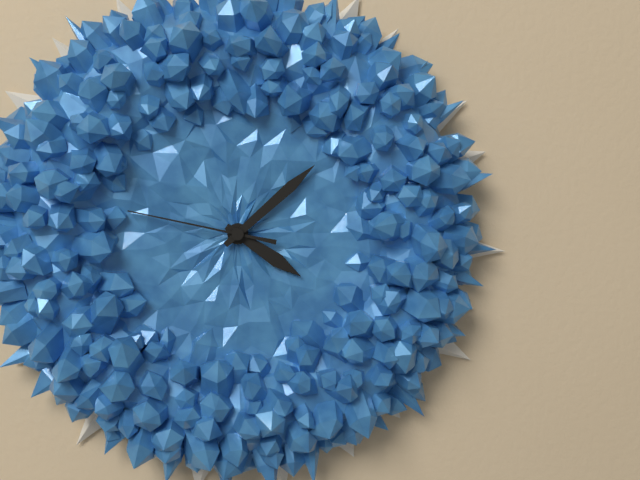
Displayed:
4,08,47
